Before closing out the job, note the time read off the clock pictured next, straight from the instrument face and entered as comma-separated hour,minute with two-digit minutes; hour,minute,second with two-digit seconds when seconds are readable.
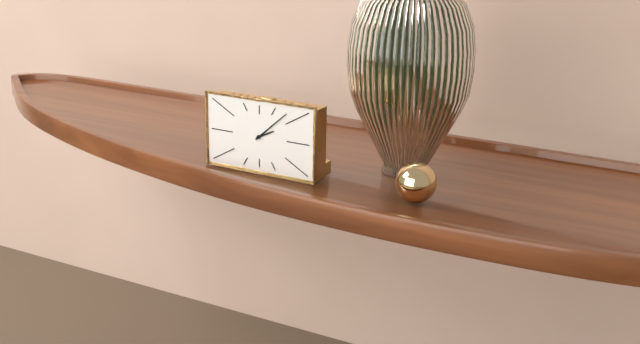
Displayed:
2,08
